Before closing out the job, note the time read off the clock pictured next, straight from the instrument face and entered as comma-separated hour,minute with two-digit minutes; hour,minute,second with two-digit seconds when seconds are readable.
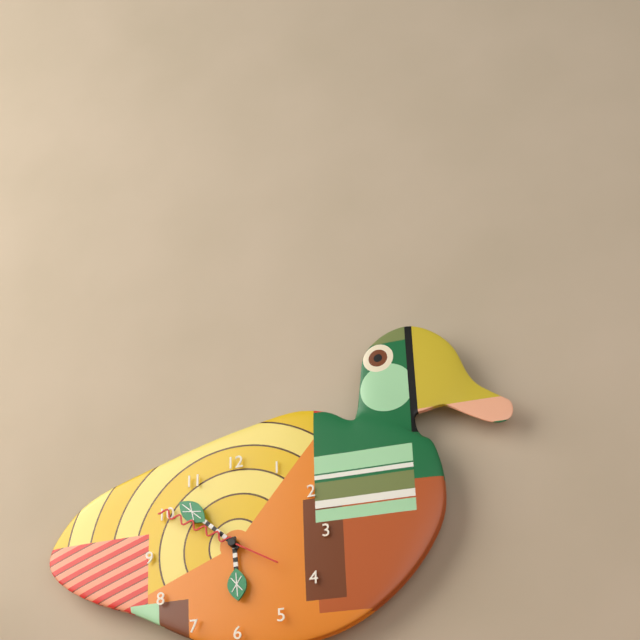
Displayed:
5,52,50
